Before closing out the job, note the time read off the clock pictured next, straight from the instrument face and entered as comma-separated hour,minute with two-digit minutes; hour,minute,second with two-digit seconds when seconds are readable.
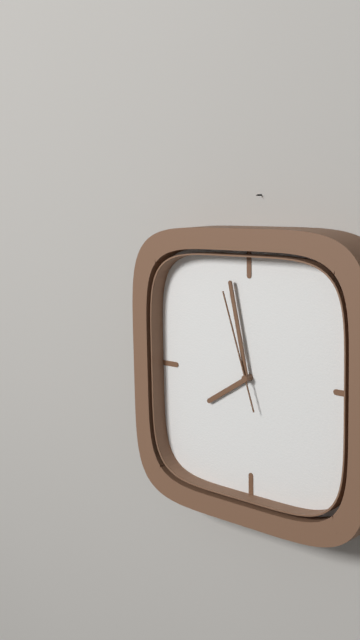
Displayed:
7,58,57
